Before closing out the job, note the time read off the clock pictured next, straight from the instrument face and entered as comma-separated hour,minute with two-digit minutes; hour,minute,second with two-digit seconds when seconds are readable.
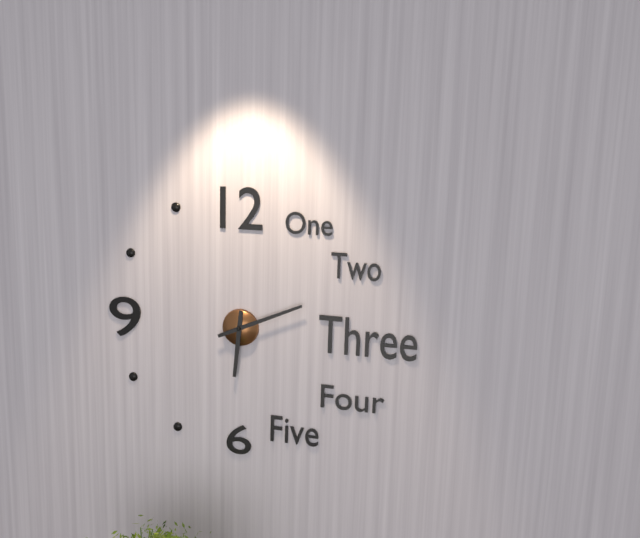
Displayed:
6,11
